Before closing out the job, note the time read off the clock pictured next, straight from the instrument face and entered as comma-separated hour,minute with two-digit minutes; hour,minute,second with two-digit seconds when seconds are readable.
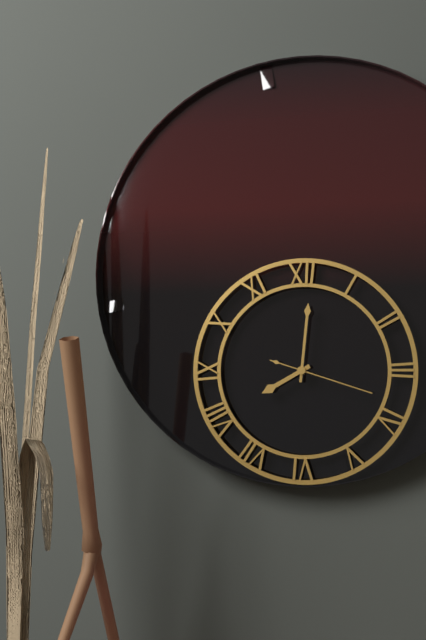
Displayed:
8,01,18
